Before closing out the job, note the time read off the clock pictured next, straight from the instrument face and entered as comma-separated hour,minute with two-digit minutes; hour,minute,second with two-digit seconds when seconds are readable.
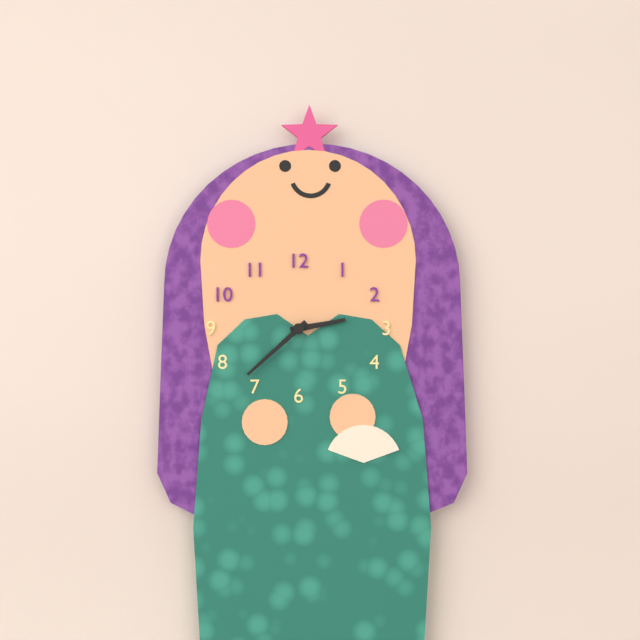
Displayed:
2,38
